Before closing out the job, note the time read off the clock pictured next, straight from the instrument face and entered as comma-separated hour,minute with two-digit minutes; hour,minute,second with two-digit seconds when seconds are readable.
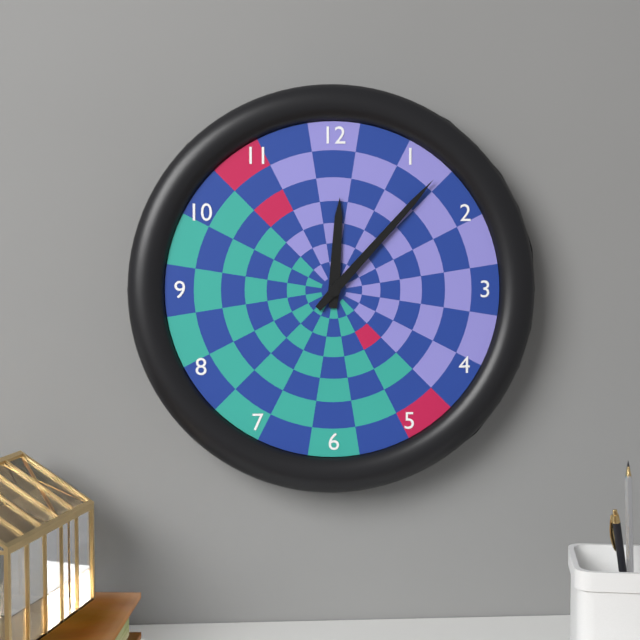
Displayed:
12,07
